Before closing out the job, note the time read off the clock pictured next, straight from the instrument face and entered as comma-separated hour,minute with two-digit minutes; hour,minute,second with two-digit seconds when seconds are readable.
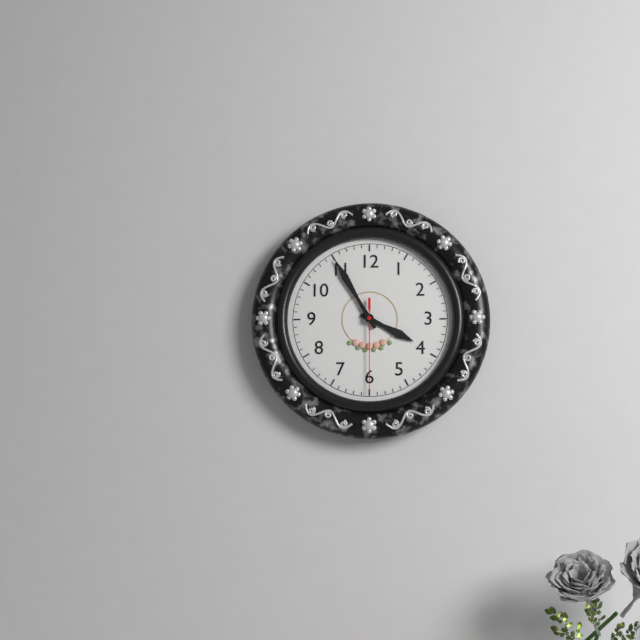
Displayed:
3,55,30
